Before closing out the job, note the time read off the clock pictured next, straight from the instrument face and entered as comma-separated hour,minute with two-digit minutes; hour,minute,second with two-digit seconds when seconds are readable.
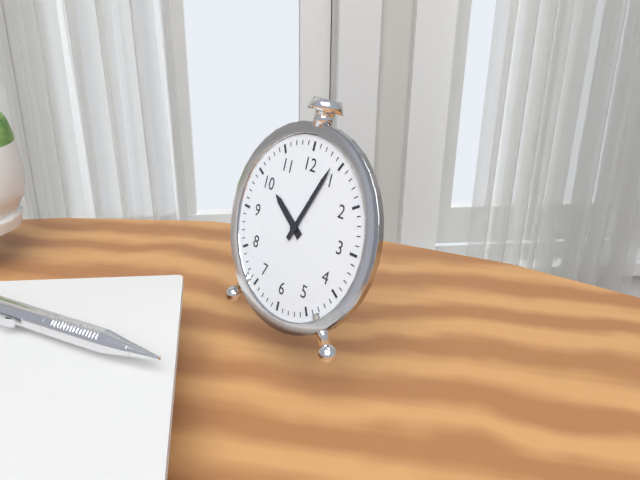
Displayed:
10,04
